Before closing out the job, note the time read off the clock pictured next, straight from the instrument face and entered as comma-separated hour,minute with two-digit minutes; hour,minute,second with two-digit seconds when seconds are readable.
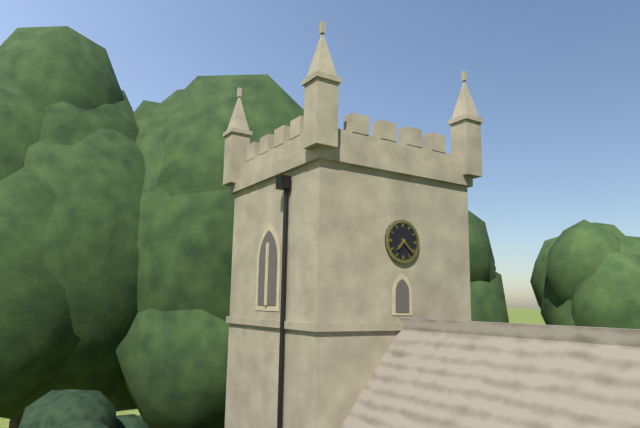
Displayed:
7,22
